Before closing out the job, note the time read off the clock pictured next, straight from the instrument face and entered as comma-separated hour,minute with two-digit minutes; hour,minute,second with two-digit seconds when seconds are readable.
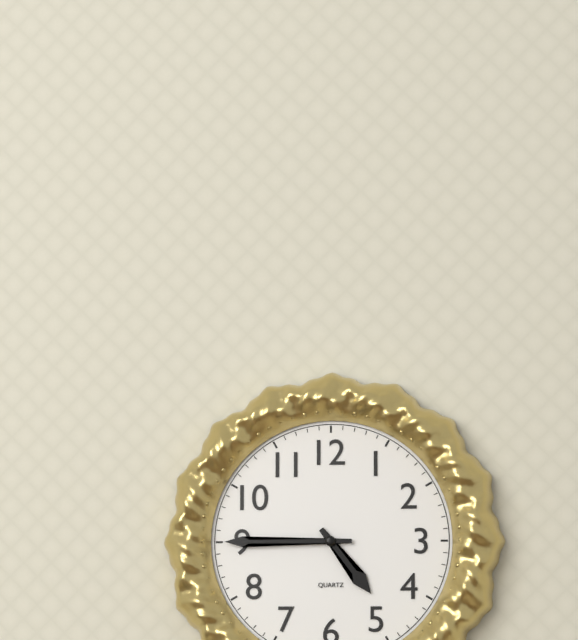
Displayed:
4,45
